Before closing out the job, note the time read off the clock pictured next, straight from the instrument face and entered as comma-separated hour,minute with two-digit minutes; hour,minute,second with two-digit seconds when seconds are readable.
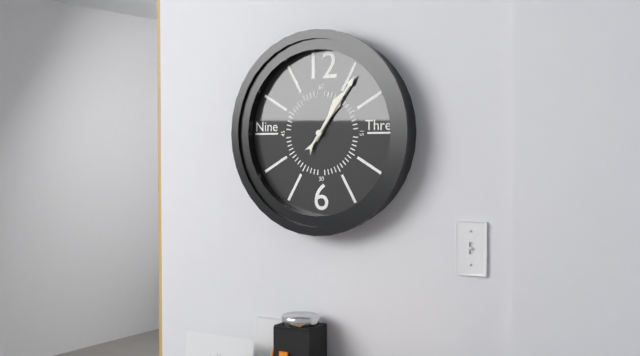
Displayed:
1,06
